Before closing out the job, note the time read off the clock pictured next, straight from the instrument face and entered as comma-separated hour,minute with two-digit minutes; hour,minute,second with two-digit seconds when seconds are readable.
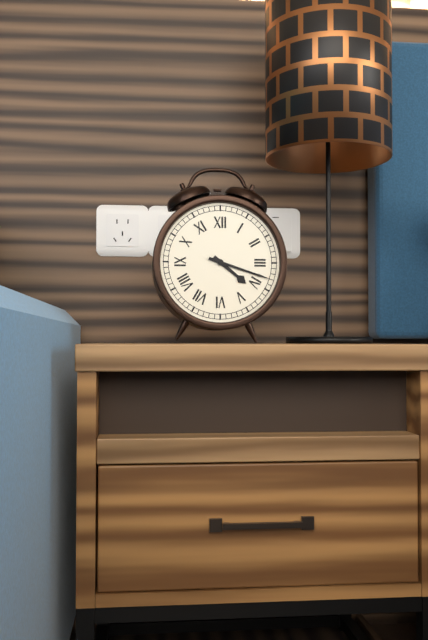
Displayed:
4,18
